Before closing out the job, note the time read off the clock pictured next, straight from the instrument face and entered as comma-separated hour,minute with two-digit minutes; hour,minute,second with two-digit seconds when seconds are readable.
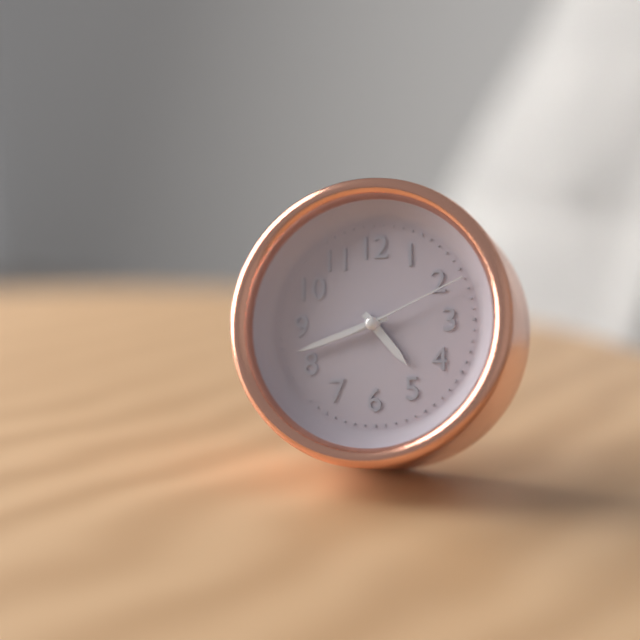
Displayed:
4,42,11
